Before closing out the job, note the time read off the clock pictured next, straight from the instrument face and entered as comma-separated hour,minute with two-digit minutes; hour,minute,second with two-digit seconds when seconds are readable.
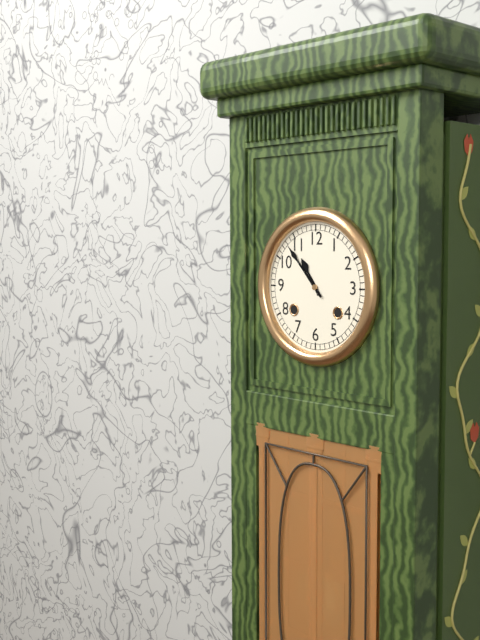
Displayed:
10,53
